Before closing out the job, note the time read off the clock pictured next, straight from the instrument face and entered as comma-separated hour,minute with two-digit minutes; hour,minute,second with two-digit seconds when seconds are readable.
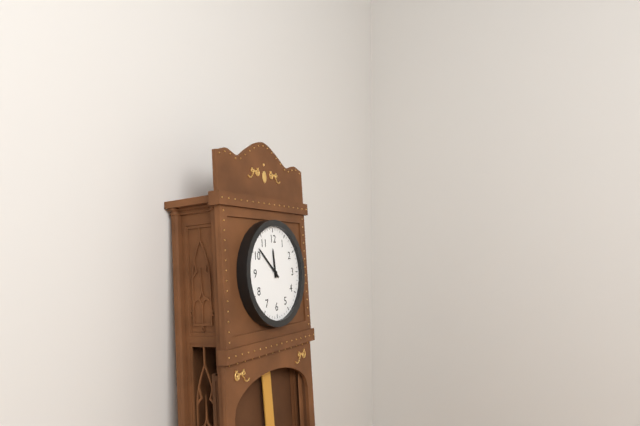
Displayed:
11,52
